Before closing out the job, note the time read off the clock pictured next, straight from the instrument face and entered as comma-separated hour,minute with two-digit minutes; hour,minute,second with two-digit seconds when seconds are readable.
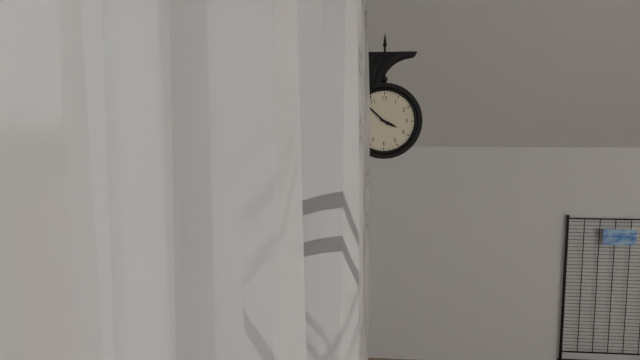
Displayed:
3,52
